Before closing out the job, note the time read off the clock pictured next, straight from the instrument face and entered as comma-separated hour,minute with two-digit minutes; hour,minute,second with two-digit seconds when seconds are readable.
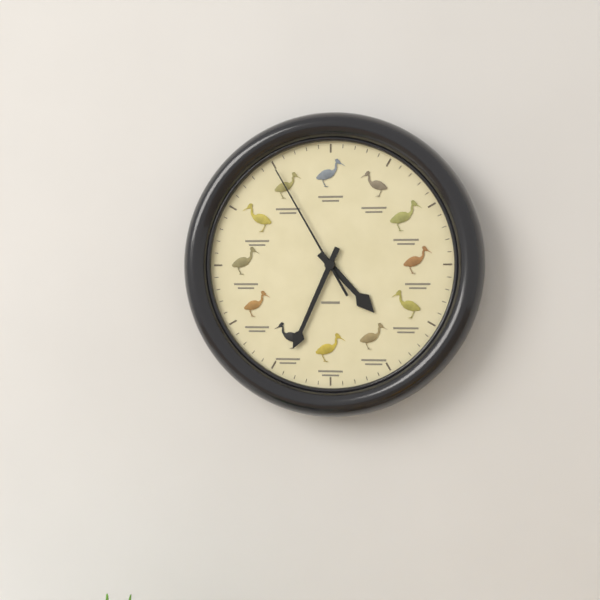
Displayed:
4,34,55
